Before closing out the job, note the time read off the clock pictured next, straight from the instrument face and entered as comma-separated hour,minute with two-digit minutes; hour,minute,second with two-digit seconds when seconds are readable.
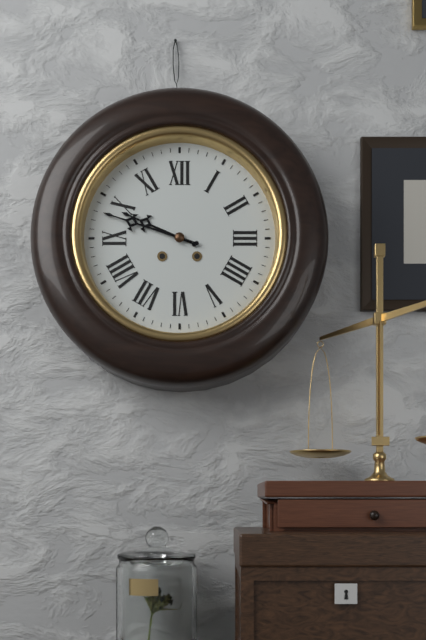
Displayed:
9,48
